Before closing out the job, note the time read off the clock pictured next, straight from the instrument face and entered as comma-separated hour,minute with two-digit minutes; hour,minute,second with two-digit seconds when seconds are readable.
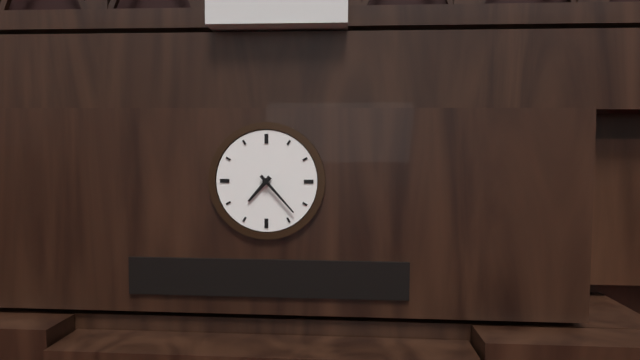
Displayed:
7,23
